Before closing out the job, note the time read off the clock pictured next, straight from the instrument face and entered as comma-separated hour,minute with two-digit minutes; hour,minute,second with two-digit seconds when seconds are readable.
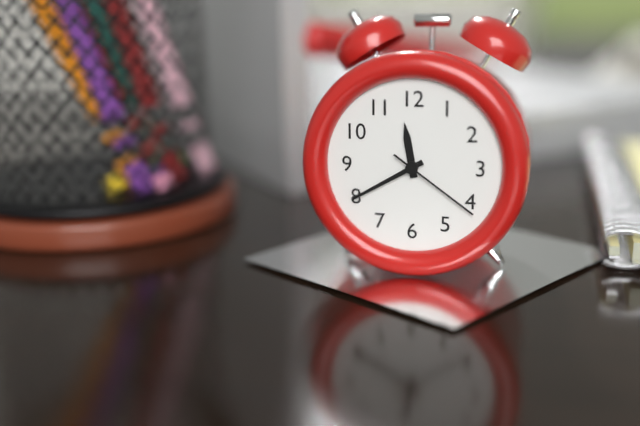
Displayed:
11,40,21
